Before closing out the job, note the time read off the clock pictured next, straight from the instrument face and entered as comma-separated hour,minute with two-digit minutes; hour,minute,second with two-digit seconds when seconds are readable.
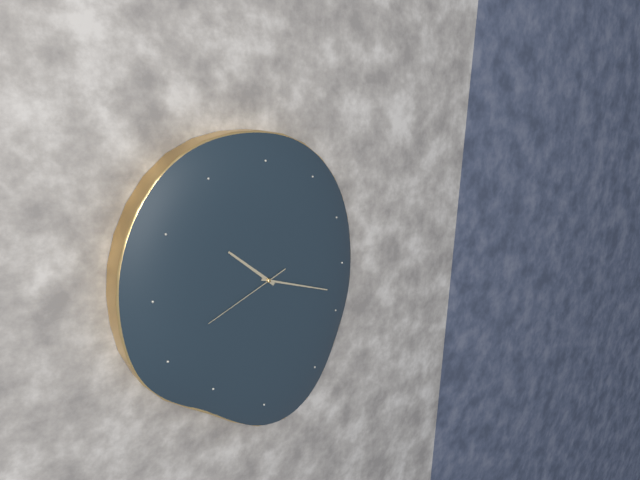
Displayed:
10,18,41
